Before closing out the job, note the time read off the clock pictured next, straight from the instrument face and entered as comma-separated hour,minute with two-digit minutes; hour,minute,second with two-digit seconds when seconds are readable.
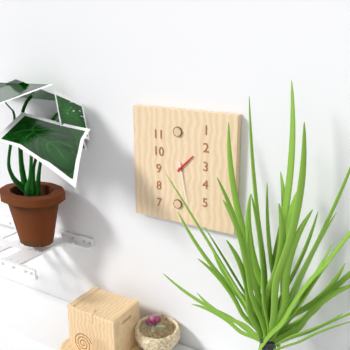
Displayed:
1,28
